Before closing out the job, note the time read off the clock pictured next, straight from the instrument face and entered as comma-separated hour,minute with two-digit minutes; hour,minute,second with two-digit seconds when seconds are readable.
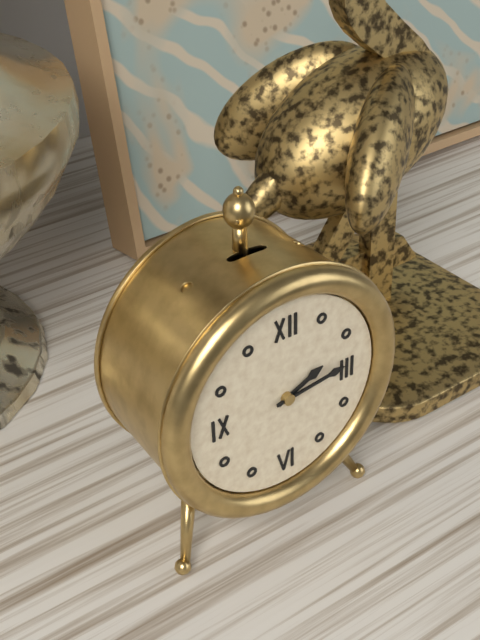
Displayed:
2,14
